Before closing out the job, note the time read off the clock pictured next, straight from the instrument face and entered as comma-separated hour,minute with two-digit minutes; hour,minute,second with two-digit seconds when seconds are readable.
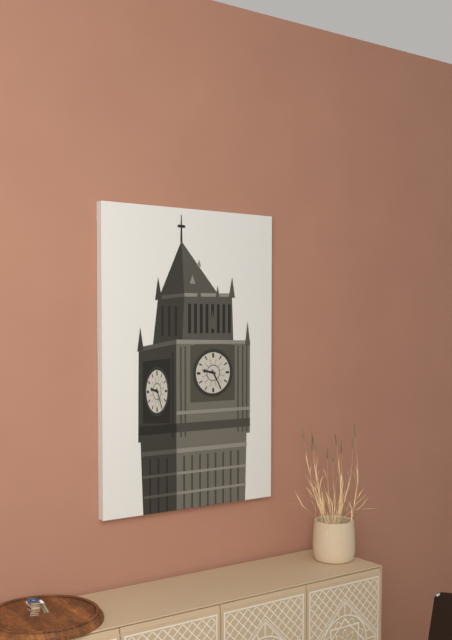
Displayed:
9,25
